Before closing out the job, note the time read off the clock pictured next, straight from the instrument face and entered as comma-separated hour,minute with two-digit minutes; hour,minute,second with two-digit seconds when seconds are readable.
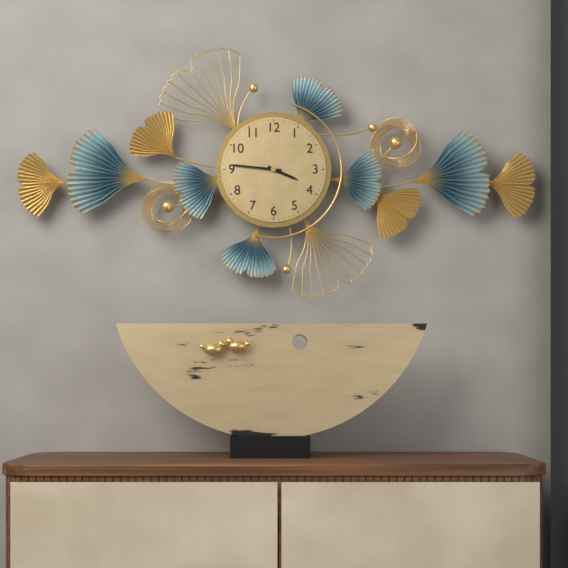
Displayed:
3,46
